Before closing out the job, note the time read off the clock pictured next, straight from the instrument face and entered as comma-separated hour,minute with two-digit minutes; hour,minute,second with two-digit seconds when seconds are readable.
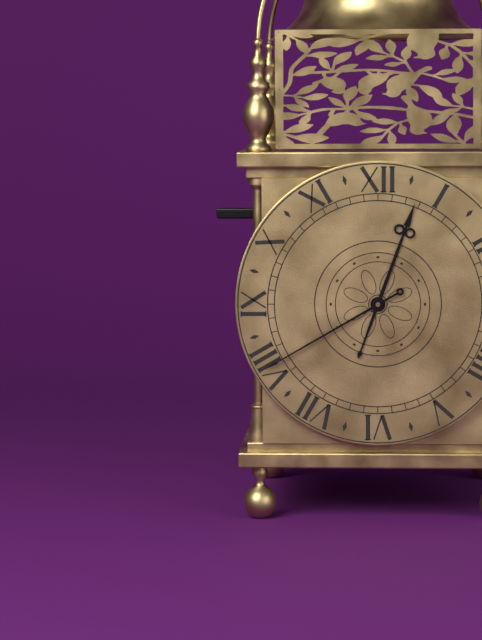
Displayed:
12,40
